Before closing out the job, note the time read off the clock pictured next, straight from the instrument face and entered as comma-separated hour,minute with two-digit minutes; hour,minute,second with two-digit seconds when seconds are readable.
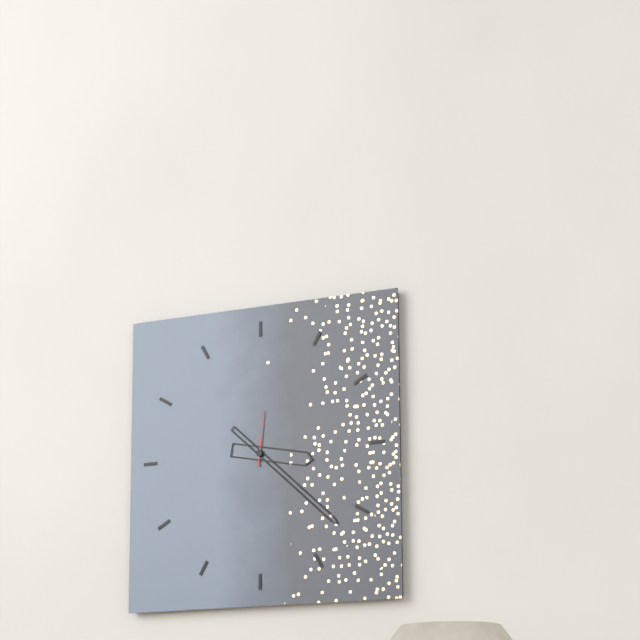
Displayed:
3,22,01
